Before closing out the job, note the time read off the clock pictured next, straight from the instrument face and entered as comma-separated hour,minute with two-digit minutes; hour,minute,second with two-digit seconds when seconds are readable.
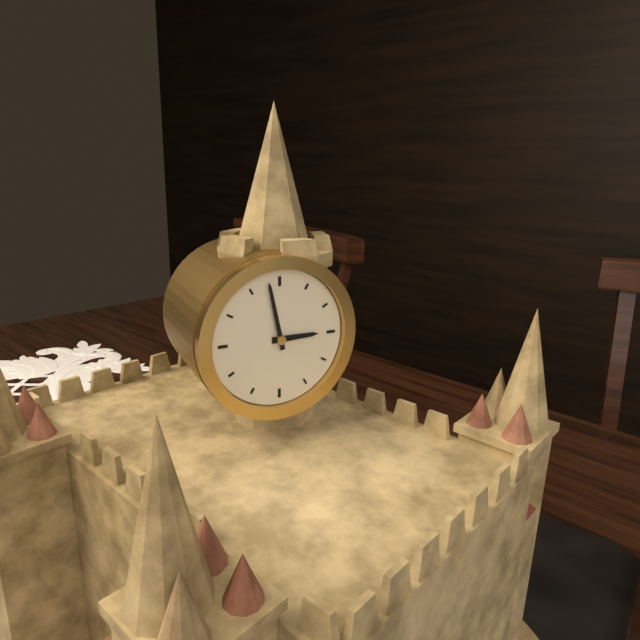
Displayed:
2,58
